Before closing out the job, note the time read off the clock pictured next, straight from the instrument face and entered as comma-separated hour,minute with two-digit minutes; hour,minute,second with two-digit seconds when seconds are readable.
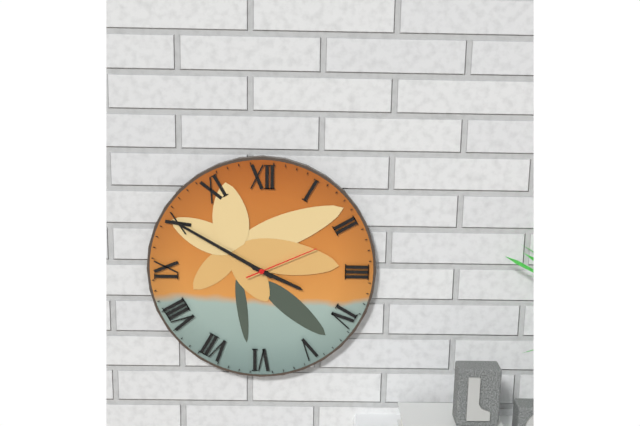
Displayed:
3,50,11
